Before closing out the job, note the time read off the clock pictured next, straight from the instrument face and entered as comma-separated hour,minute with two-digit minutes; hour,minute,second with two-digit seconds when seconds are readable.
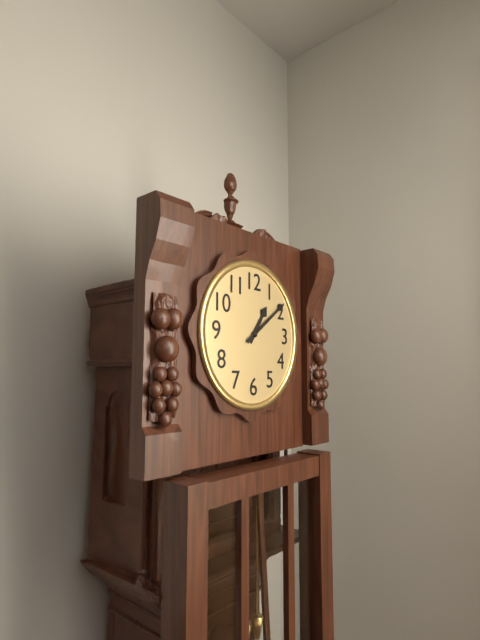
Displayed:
1,09
